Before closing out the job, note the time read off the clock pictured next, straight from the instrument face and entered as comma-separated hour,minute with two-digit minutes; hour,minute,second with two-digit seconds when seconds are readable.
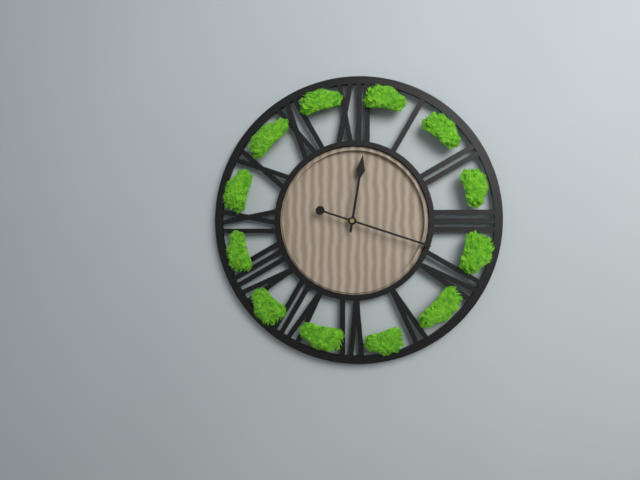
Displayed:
12,18
